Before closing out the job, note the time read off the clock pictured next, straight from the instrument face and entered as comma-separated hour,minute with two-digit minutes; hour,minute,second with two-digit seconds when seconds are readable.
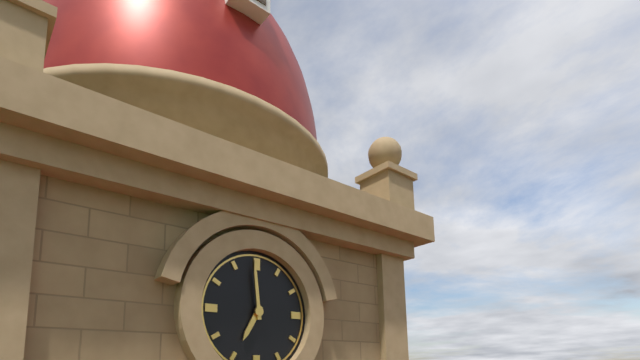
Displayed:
6,59
